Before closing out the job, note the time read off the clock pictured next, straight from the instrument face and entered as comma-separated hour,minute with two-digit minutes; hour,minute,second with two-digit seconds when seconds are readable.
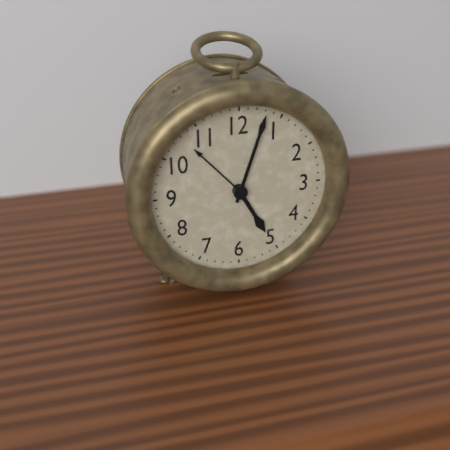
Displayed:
5,03
